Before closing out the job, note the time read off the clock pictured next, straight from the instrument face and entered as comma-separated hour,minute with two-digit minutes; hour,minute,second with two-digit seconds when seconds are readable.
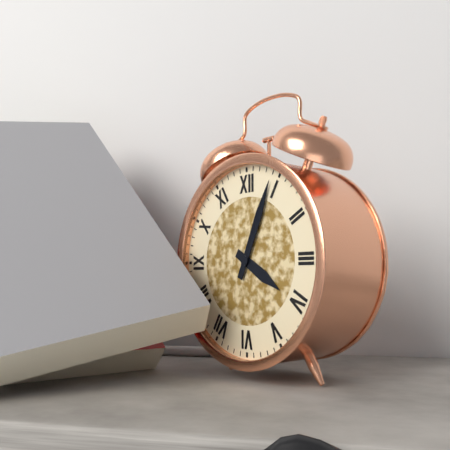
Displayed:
4,04
